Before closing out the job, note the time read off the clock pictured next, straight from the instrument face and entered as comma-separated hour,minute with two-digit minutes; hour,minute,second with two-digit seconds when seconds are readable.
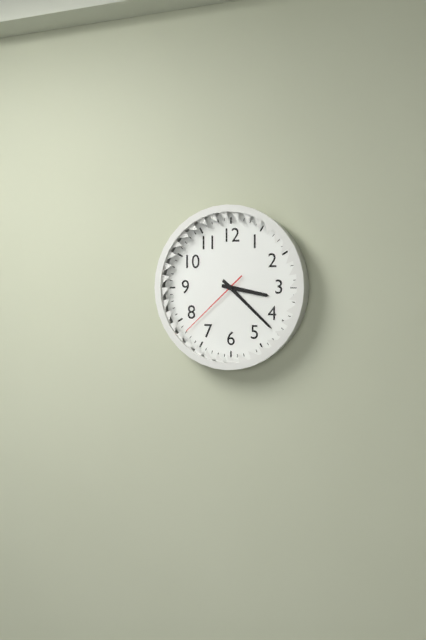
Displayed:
3,22,38
